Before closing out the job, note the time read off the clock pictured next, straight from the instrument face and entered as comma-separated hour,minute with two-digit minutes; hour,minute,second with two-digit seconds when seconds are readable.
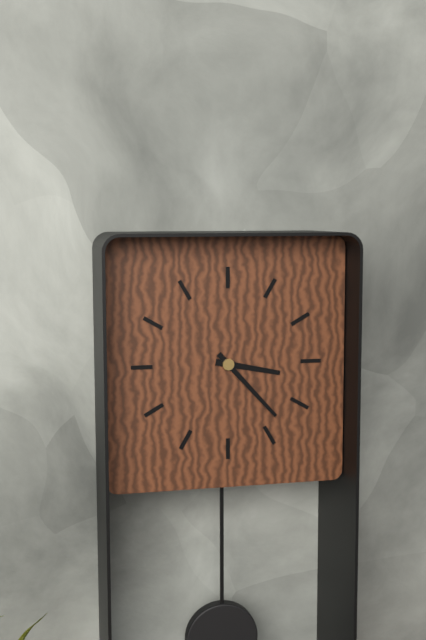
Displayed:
3,23
